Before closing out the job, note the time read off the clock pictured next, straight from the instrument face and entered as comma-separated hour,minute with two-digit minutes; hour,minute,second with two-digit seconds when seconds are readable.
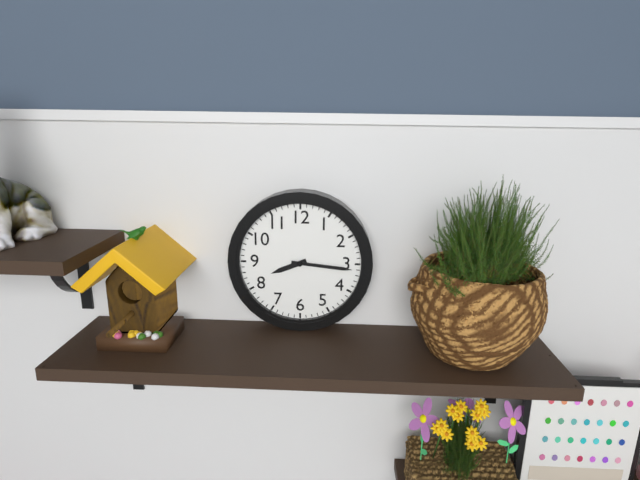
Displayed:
8,16
